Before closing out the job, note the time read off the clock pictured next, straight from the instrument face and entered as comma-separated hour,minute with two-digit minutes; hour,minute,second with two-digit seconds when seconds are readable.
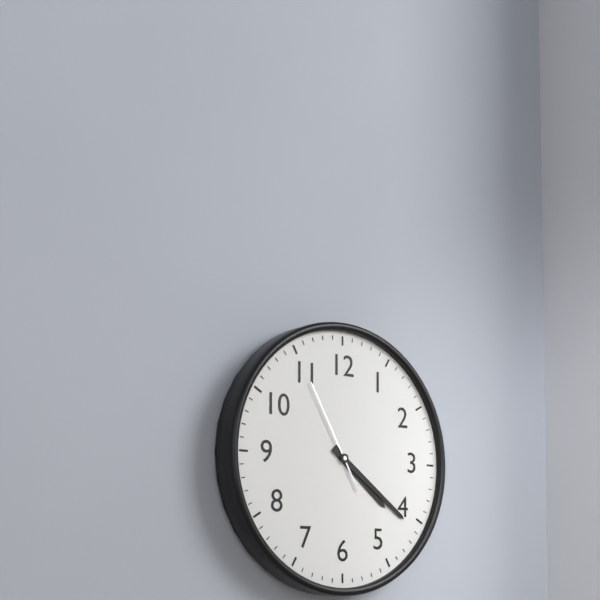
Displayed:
4,21,55
